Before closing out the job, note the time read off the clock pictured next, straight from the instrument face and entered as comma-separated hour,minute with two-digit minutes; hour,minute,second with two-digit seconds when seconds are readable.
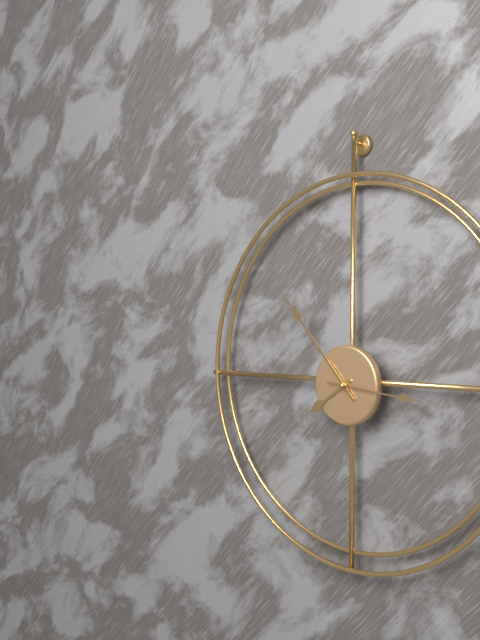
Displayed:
7,53,16
